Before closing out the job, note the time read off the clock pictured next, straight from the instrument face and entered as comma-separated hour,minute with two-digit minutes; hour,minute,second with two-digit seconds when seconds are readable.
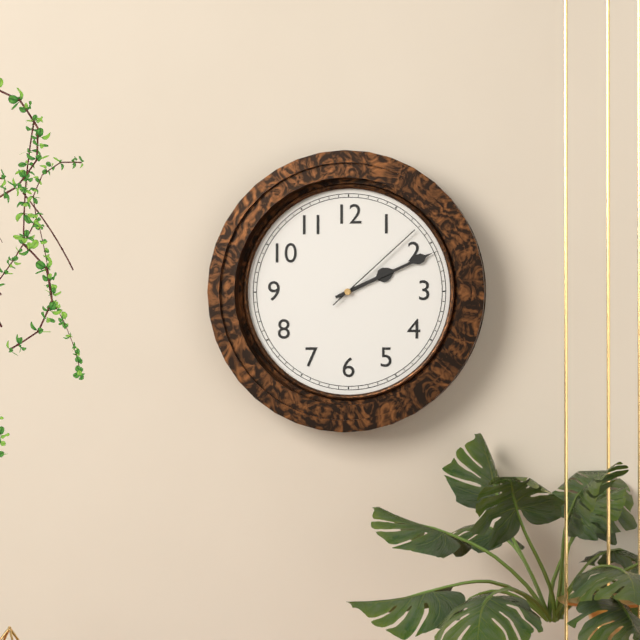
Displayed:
2,11,08
